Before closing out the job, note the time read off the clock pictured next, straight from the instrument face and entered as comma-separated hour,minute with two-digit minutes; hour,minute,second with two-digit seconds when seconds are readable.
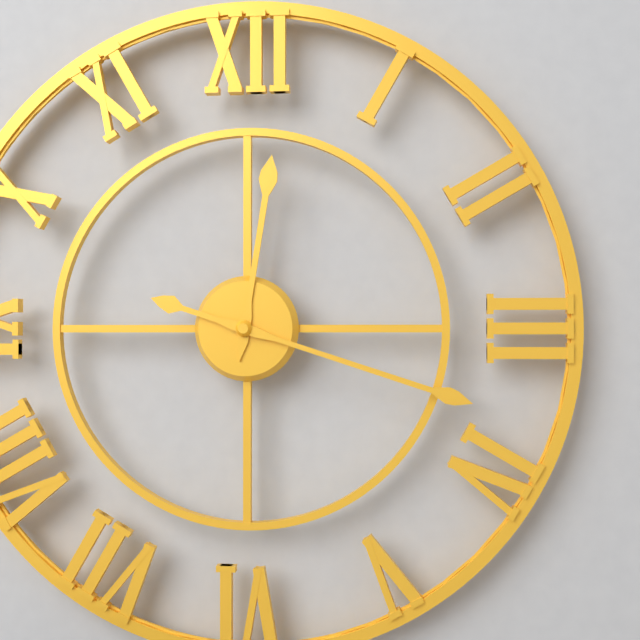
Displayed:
12,18
